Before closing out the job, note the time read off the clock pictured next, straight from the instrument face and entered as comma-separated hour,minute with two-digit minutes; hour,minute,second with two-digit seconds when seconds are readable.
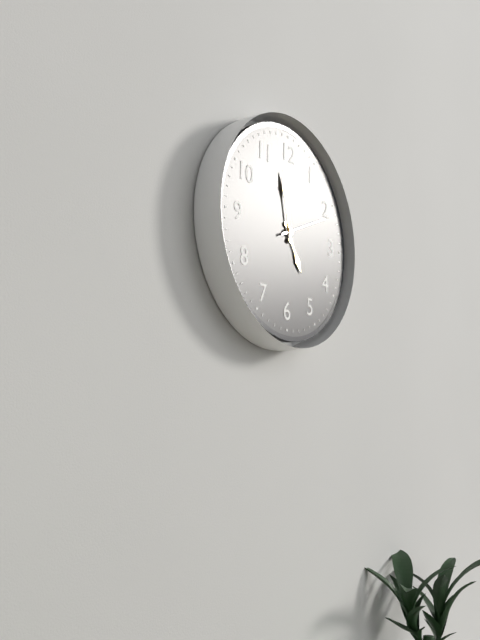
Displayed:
4,58
